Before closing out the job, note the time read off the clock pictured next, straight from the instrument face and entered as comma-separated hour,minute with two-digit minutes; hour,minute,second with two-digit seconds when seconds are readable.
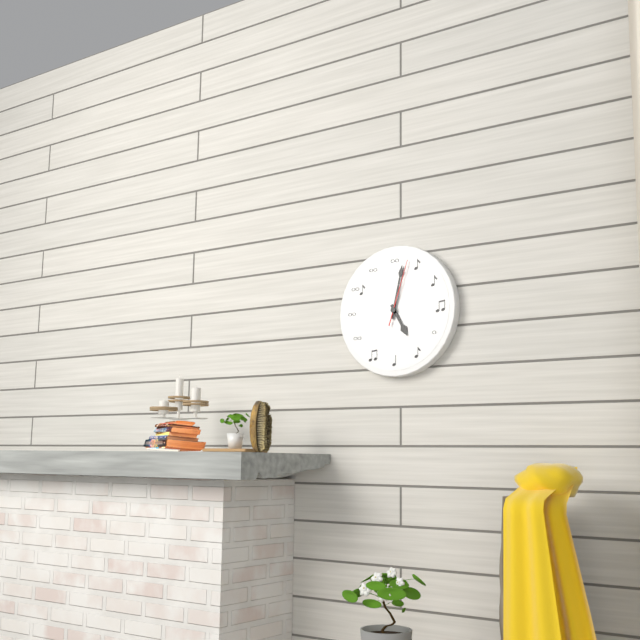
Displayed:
5,02,03
